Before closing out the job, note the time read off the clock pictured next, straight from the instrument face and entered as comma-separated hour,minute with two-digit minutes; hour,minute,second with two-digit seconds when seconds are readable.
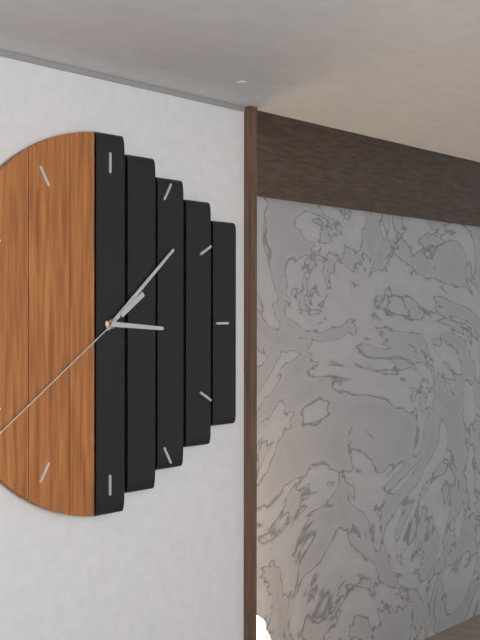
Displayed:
3,08
